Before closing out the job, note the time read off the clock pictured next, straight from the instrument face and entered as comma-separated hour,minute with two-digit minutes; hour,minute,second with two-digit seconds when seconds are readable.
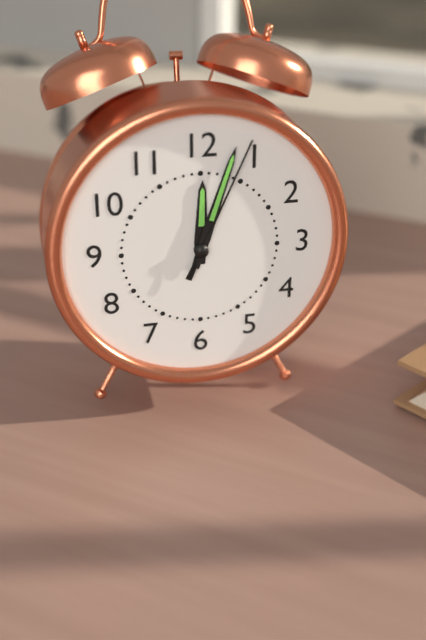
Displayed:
12,03,04
